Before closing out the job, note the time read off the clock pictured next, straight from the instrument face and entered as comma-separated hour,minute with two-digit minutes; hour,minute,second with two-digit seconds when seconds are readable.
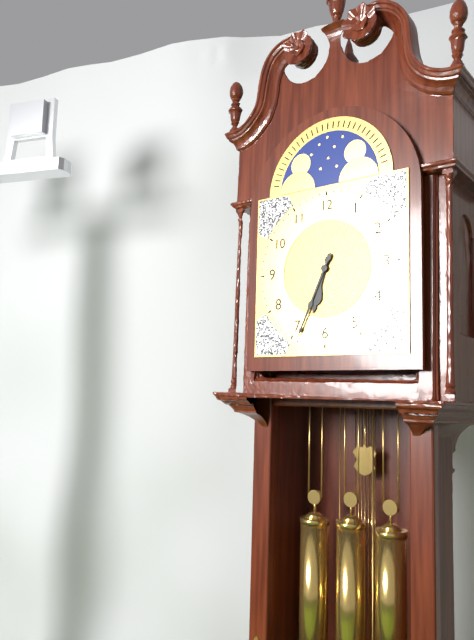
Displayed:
6,34
